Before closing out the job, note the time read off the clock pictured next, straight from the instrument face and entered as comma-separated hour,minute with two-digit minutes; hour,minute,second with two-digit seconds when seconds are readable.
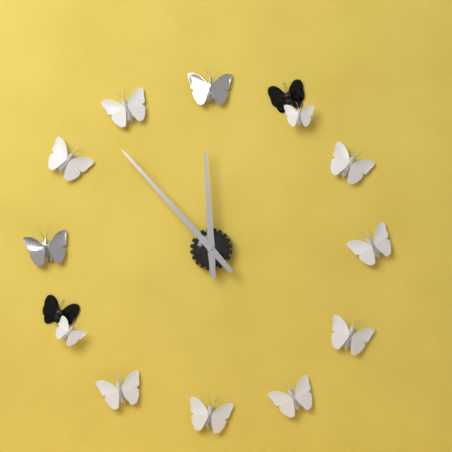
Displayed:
11,53
